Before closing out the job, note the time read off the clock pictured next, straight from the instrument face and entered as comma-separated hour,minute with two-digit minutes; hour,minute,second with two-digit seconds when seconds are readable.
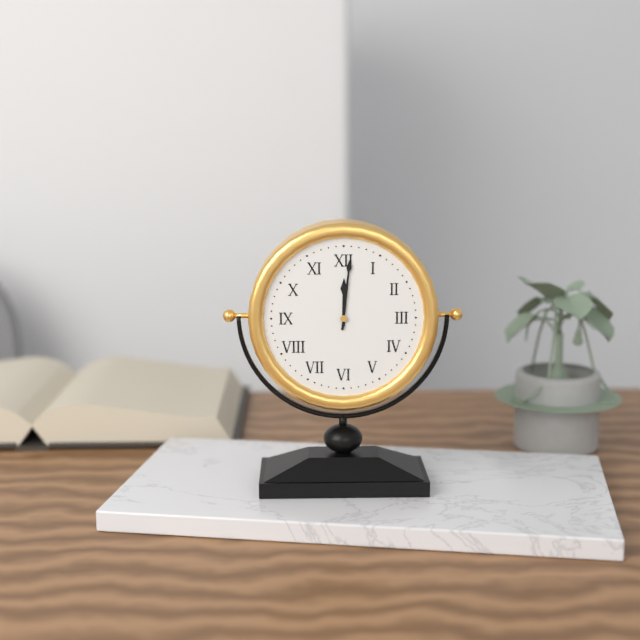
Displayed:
12,01
